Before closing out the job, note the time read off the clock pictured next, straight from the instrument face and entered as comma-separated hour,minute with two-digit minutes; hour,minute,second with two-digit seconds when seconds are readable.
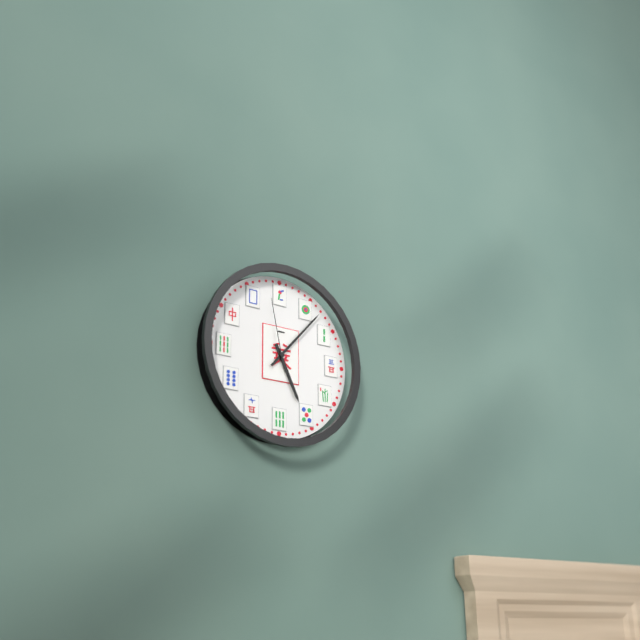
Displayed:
5,07,58
